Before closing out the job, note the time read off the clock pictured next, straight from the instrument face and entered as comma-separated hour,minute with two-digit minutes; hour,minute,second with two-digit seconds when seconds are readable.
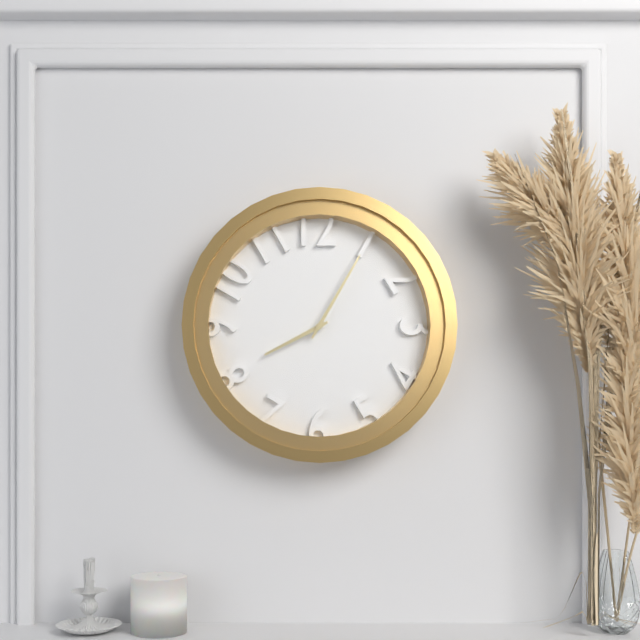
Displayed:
8,05
